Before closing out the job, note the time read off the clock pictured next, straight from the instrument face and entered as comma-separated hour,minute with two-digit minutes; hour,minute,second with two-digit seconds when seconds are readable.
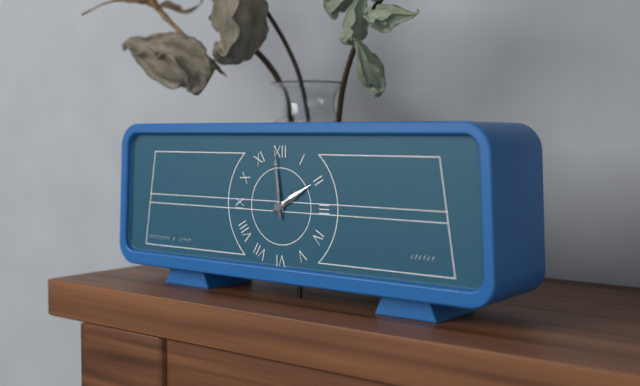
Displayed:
1,59
